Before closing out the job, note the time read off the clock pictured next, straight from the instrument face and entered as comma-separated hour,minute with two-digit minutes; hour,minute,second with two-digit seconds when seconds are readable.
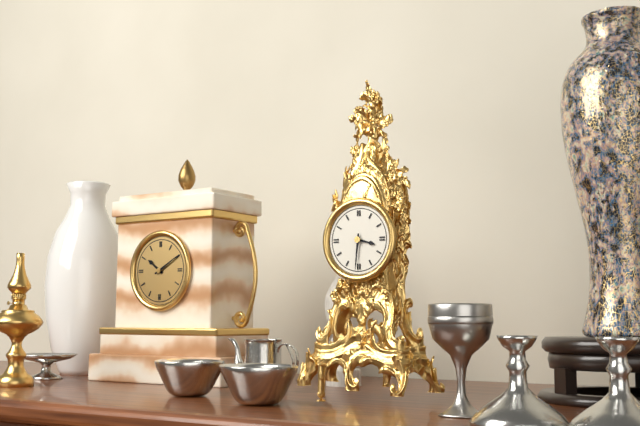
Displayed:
3,31
